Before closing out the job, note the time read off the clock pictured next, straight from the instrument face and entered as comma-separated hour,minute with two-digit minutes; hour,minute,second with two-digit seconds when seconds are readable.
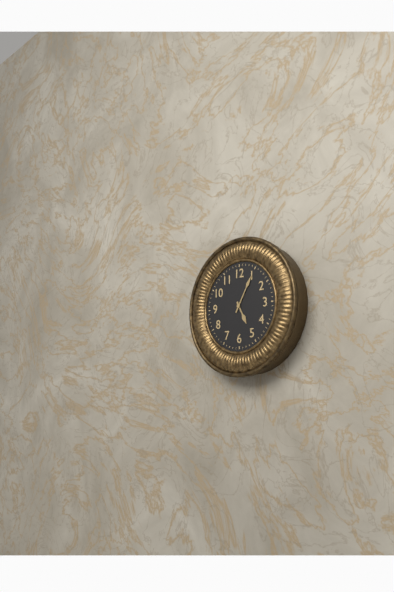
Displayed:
5,05
